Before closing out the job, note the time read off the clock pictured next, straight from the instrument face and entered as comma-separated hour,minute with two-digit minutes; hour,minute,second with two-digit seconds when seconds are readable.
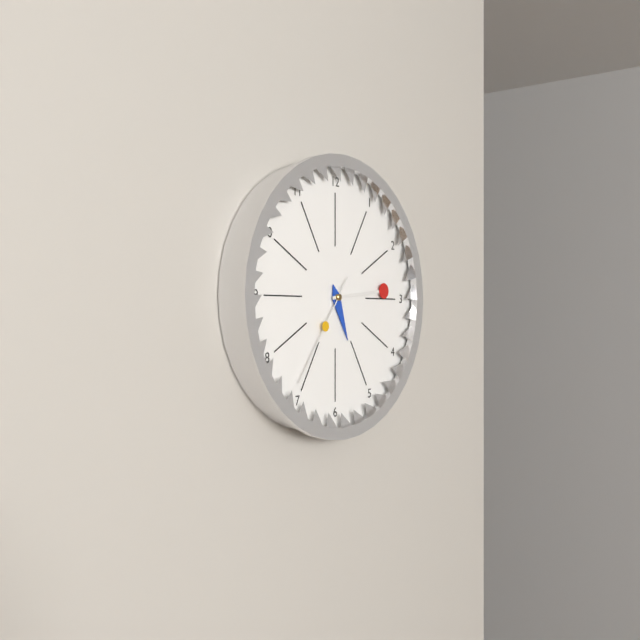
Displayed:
5,14,36
